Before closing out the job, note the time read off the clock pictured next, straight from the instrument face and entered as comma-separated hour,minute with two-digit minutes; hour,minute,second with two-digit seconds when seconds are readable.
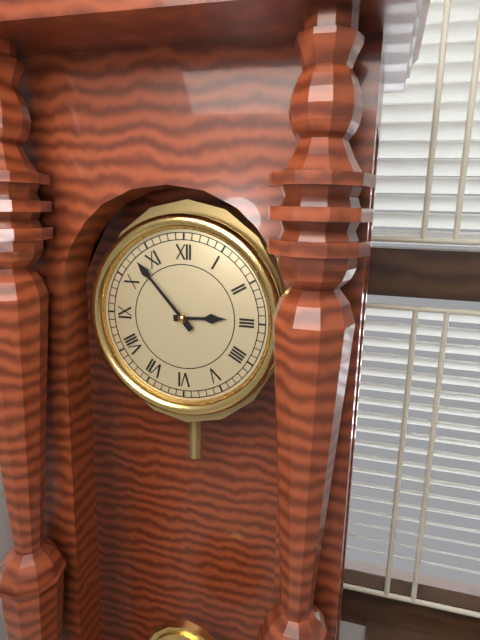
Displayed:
2,53
